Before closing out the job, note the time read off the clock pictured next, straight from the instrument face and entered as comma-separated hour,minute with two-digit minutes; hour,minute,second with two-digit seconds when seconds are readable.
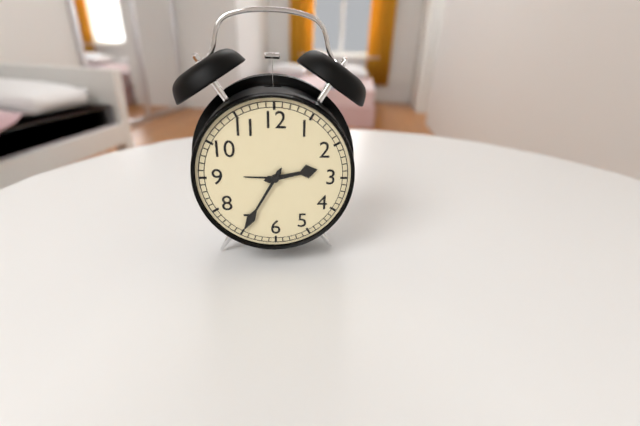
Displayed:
2,35
